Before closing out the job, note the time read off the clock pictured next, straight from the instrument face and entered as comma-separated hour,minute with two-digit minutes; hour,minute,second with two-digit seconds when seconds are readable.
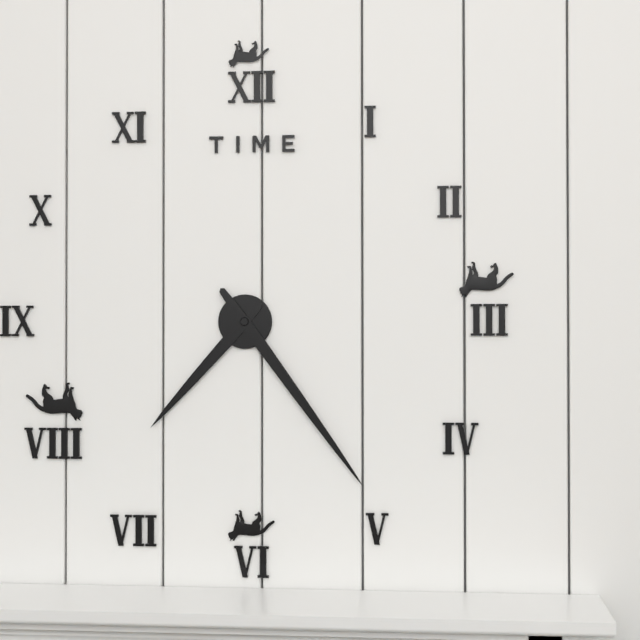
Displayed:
7,24
